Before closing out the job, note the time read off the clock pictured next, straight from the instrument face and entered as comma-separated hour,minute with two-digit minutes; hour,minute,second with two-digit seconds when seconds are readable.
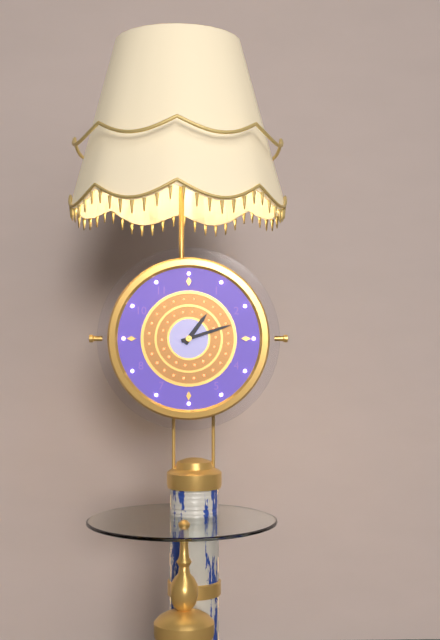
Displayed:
1,12
